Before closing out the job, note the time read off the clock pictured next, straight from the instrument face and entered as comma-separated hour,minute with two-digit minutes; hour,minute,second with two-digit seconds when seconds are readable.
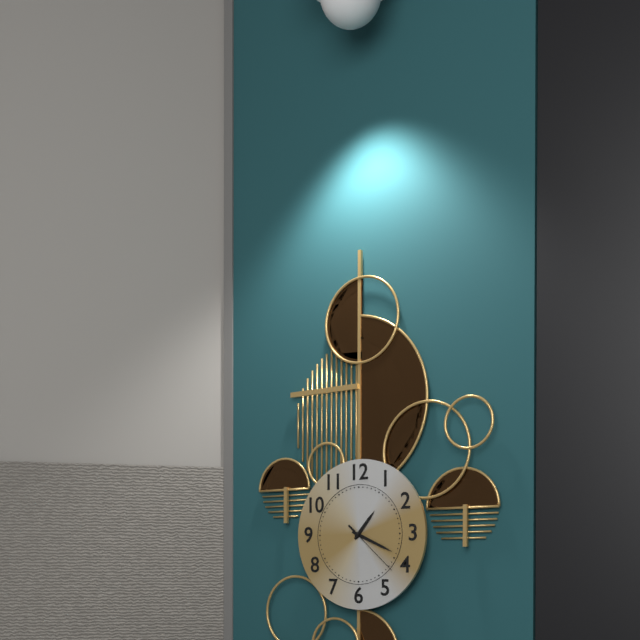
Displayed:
1,19,22
